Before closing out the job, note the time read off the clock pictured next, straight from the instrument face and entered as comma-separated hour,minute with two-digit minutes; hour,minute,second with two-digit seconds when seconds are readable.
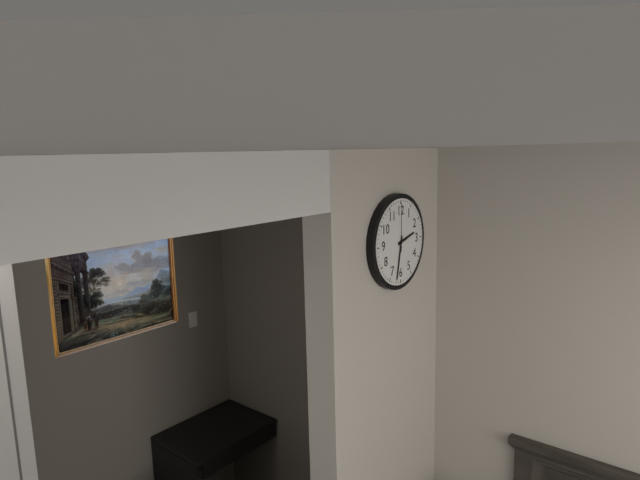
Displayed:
2,32,00
